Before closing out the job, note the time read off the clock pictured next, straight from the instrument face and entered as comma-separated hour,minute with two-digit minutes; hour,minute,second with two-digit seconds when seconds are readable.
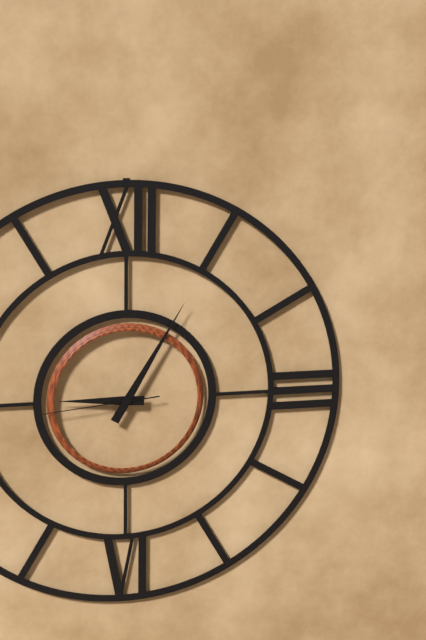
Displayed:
9,05,44
